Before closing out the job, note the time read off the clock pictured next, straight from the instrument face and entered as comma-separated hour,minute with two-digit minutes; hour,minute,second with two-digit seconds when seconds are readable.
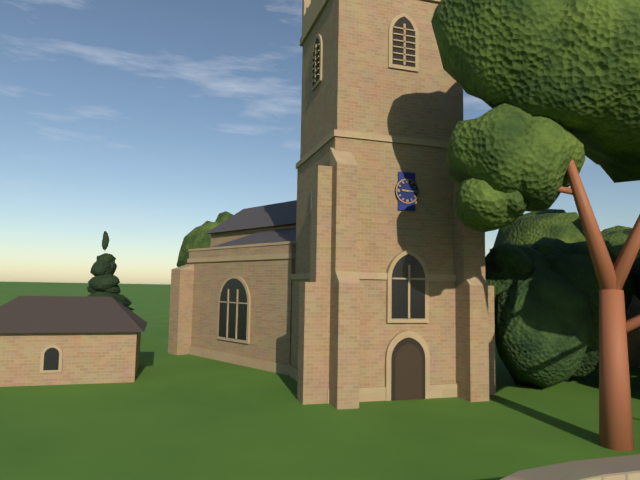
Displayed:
9,15
